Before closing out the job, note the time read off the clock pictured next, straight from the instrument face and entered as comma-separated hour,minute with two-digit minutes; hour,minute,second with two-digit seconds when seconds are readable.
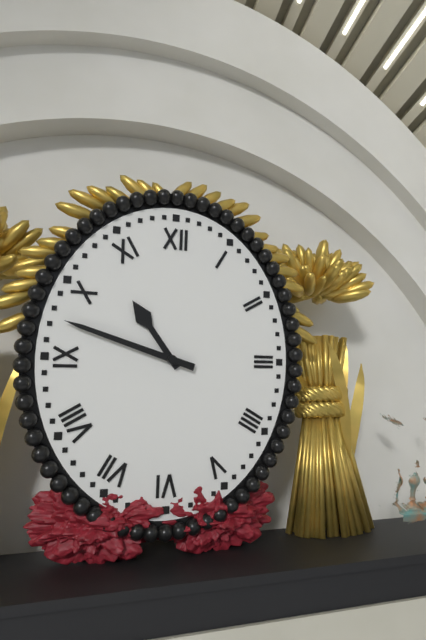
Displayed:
10,48
